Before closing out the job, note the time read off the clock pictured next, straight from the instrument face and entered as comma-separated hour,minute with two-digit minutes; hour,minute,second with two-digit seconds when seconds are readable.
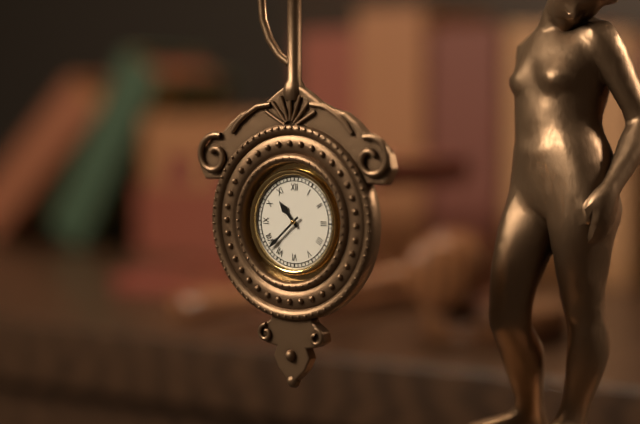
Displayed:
10,38
